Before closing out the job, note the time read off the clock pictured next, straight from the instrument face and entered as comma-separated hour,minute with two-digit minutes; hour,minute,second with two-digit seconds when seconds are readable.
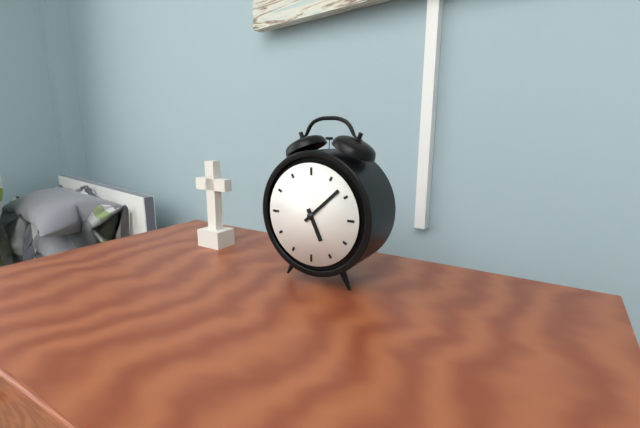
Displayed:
5,08
